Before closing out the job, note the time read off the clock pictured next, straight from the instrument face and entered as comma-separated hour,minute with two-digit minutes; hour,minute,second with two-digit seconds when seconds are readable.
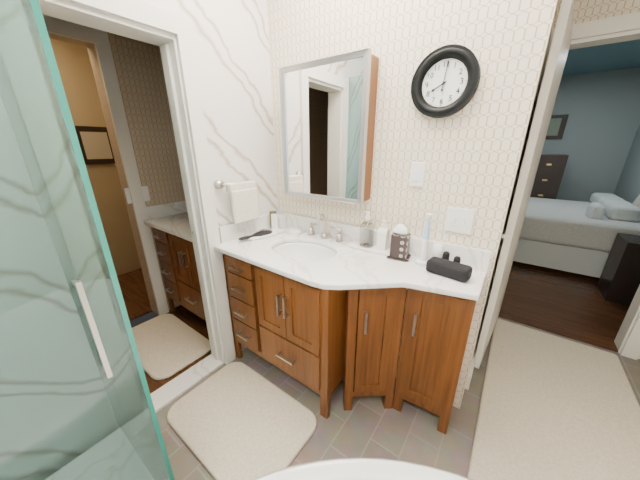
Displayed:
8,01
